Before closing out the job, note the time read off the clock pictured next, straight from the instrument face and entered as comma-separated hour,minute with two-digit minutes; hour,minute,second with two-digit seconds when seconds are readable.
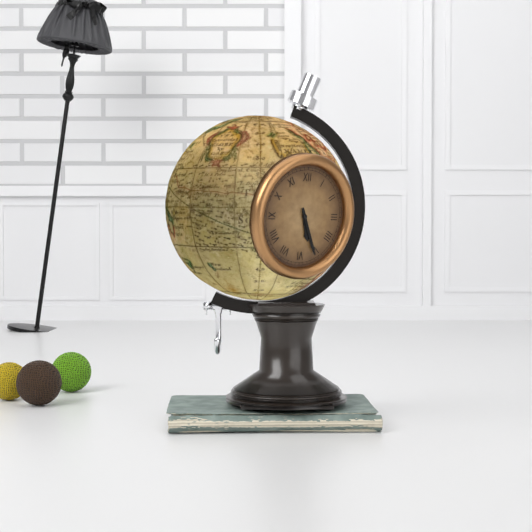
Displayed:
5,26
